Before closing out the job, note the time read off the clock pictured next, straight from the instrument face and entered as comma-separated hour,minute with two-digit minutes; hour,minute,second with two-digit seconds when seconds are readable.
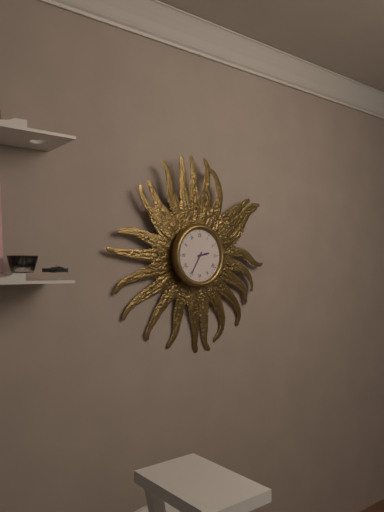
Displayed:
2,35
